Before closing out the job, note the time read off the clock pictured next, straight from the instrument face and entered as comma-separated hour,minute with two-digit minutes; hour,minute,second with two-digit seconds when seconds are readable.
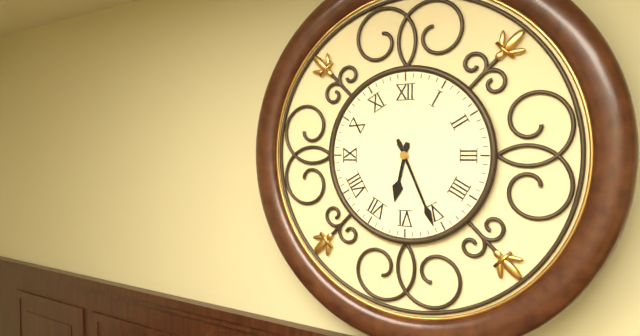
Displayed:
6,26
